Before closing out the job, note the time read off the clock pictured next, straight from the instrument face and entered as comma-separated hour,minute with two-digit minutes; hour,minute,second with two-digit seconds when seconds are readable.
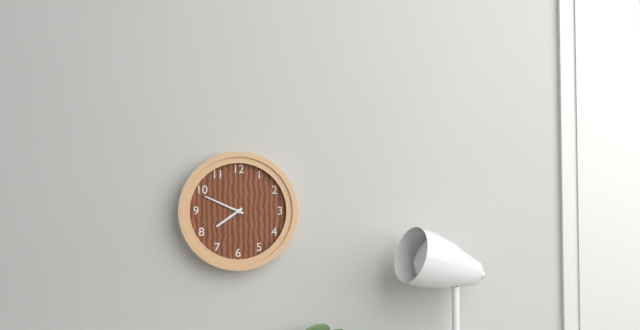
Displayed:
7,49
